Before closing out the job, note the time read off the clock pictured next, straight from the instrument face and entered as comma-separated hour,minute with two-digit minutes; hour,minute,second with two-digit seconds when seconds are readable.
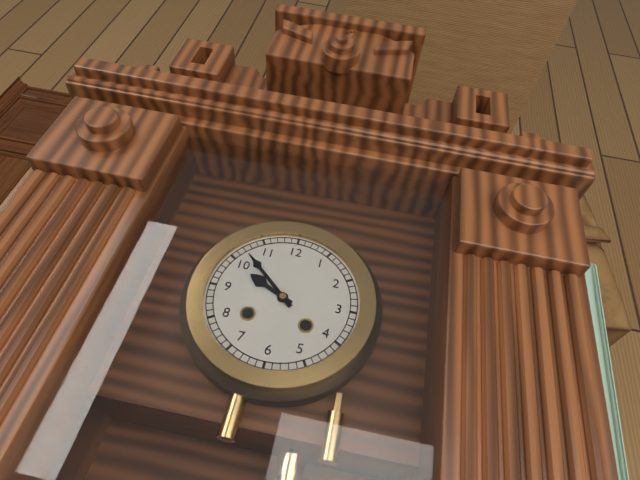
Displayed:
9,52
